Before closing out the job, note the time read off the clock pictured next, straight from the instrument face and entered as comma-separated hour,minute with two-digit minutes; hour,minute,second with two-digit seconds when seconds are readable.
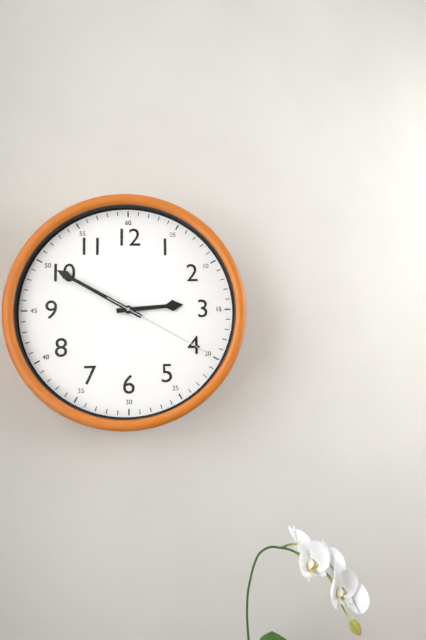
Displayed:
2,50,20
